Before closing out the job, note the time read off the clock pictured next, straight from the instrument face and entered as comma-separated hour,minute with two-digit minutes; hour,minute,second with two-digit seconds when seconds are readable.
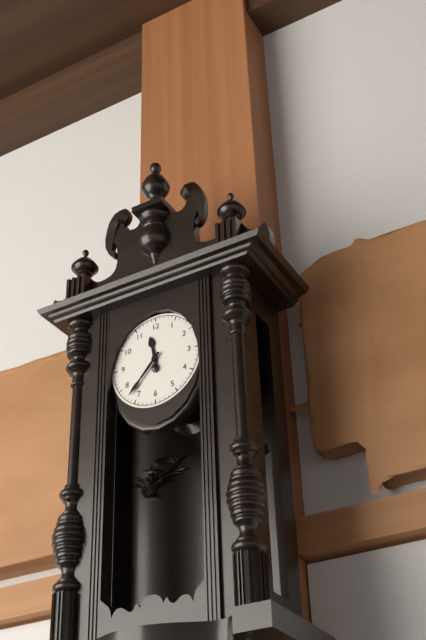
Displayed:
11,37
